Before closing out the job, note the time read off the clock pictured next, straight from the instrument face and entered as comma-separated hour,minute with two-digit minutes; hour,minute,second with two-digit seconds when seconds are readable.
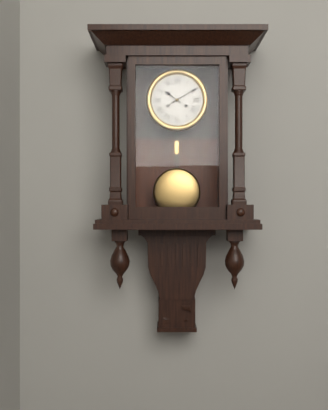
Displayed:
10,10
